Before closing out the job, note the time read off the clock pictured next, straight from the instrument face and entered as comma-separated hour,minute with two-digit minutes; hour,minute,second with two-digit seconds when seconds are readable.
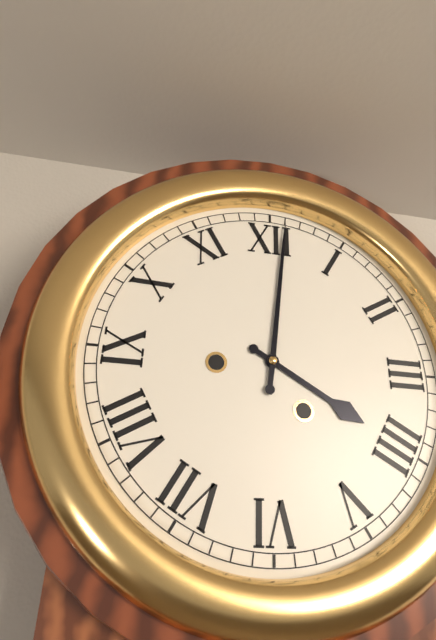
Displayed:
4,01
